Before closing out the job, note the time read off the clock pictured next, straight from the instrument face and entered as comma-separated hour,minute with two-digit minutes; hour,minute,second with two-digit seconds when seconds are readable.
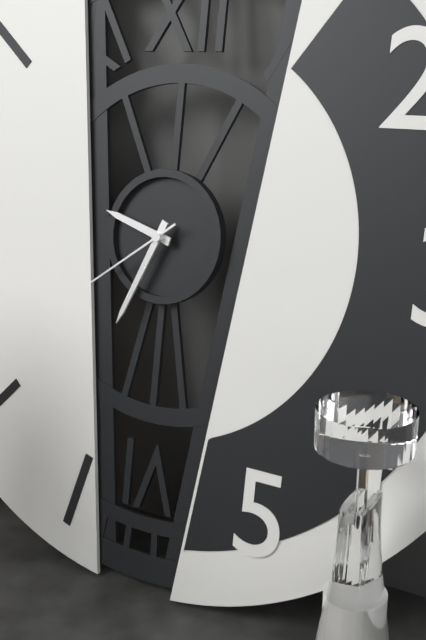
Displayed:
9,34,39
